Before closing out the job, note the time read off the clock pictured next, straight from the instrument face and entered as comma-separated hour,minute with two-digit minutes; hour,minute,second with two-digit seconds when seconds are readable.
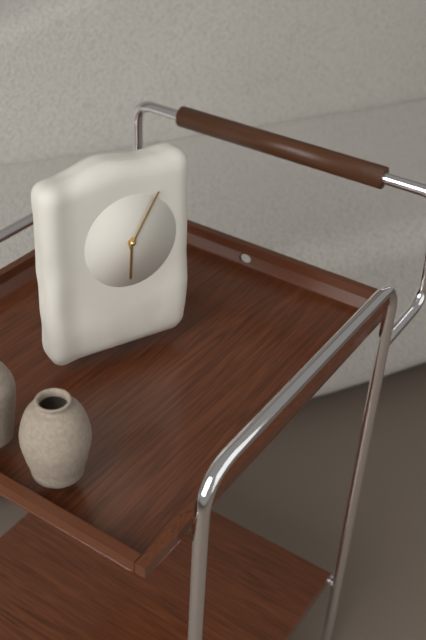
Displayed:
6,05
